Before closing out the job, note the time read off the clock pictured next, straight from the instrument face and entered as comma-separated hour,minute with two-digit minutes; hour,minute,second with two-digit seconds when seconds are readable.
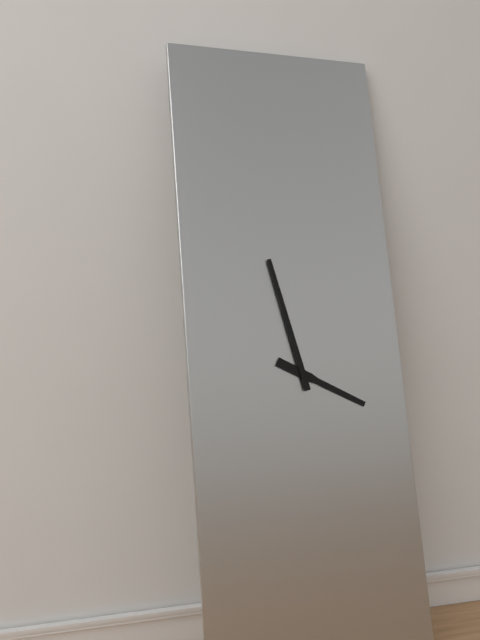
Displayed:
3,58
